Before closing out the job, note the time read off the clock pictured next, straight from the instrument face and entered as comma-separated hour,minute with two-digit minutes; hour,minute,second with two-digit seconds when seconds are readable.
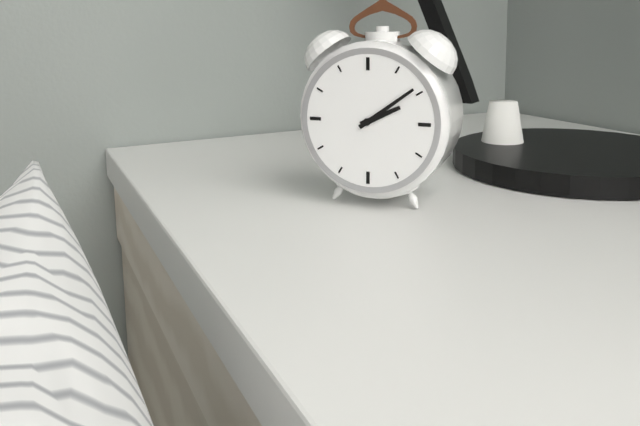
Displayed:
2,09
